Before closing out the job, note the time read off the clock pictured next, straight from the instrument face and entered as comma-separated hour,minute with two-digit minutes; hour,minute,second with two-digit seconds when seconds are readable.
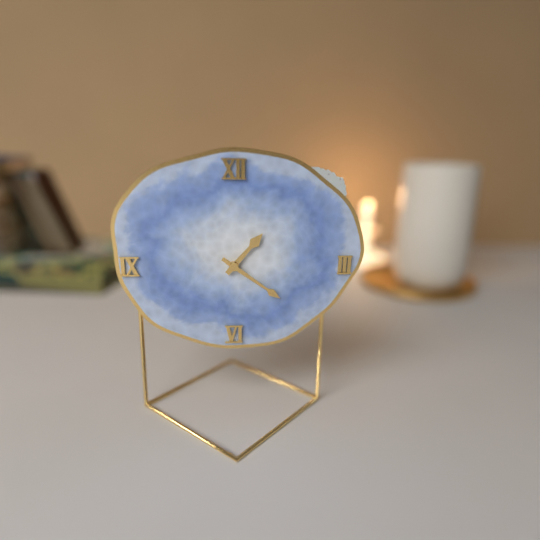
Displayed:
1,21
